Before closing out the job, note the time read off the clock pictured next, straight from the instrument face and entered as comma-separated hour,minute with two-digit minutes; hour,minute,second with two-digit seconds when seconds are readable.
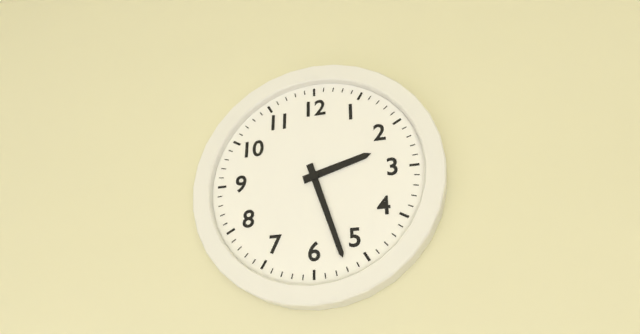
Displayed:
2,27
